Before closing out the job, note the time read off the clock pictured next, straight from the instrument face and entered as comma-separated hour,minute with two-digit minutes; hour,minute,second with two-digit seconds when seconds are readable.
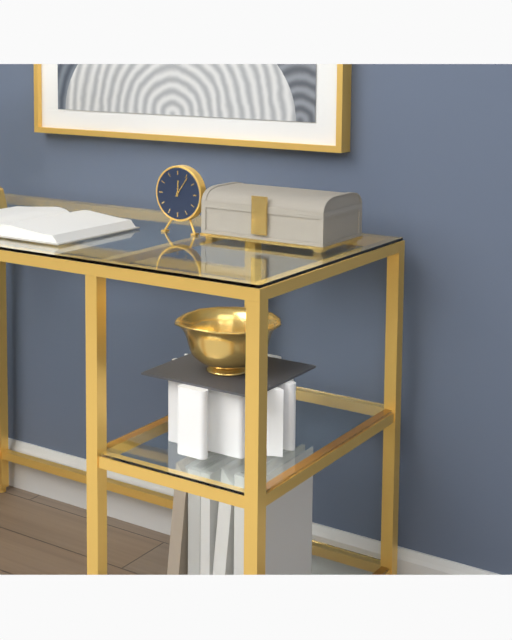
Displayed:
12,06
